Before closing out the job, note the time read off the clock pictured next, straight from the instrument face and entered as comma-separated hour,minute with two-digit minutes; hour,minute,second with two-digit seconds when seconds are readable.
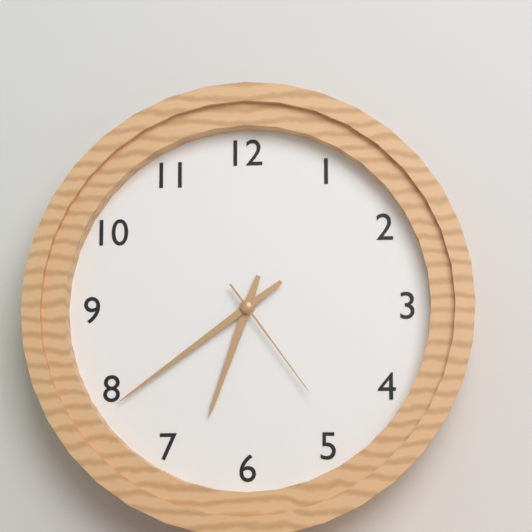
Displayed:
6,39,24
